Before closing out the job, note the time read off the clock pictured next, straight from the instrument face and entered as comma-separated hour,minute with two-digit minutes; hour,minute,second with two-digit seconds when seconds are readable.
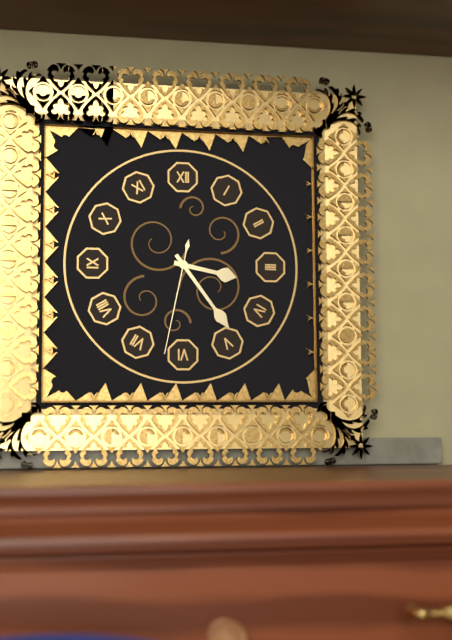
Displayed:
3,24,32
